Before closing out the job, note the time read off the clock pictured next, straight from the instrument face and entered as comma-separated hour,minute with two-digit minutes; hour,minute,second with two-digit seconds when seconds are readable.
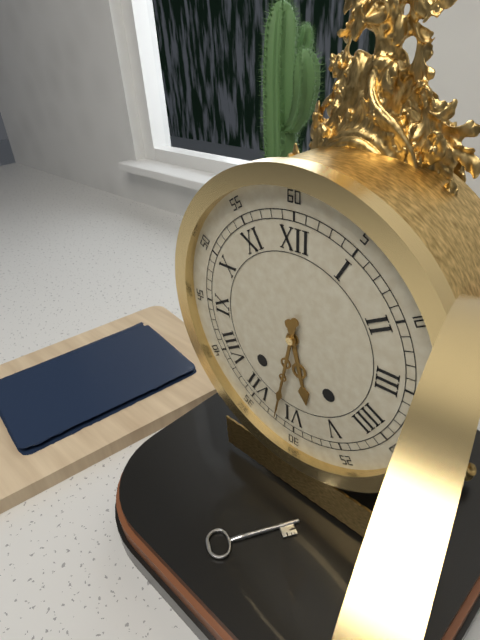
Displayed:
5,32
